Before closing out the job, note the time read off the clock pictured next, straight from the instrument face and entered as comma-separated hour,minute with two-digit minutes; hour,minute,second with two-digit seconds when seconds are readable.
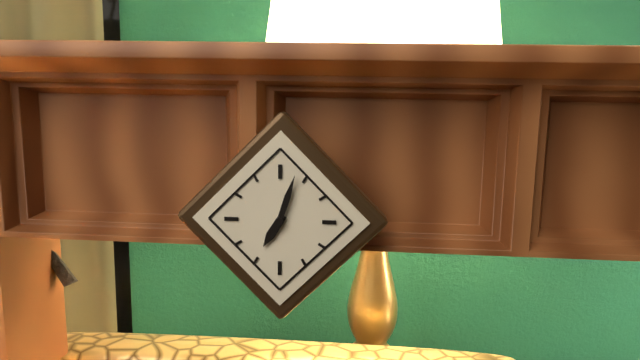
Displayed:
7,03
